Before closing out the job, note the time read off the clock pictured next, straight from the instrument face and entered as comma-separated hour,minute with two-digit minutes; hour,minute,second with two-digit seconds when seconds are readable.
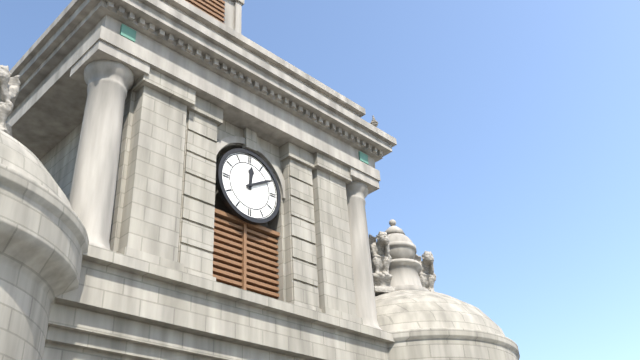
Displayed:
12,10
